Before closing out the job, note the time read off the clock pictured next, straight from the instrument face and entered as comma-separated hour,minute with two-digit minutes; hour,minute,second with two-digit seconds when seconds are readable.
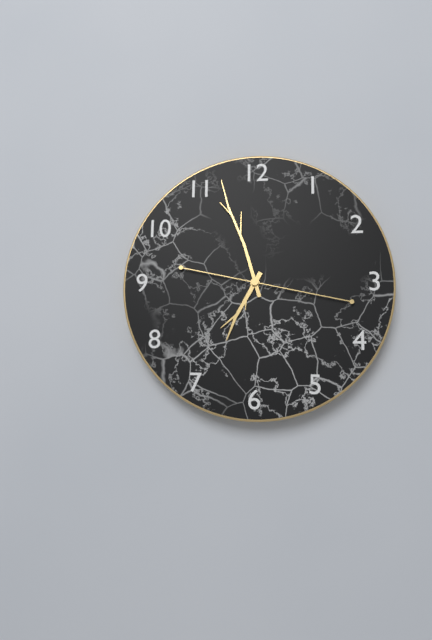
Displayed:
6,57,17
